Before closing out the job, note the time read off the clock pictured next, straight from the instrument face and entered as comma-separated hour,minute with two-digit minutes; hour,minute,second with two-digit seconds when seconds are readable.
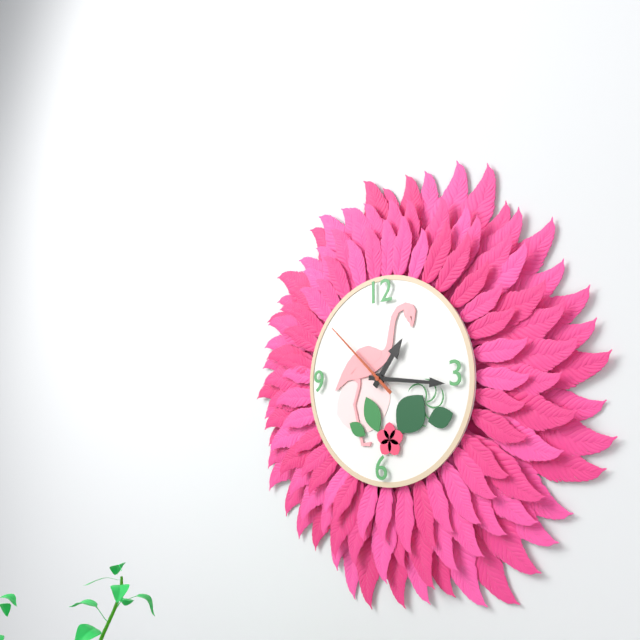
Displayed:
1,16,52
